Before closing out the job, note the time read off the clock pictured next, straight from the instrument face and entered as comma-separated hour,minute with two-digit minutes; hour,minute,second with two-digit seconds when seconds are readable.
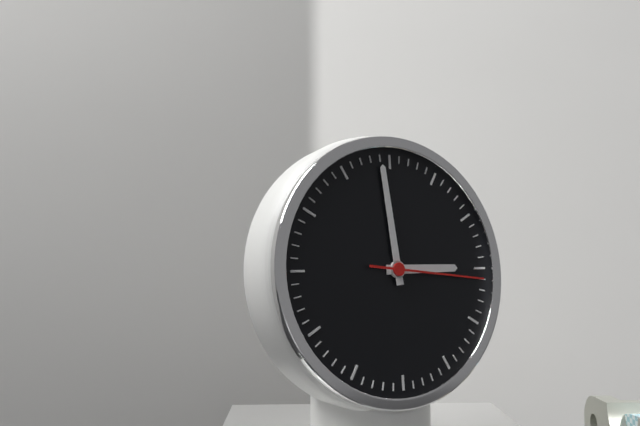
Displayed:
2,59,16
